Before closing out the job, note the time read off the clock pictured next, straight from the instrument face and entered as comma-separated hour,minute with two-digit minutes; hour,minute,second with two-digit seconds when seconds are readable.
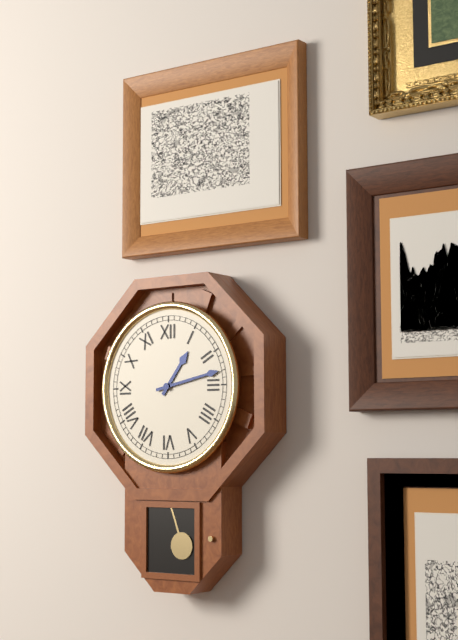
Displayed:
1,13
